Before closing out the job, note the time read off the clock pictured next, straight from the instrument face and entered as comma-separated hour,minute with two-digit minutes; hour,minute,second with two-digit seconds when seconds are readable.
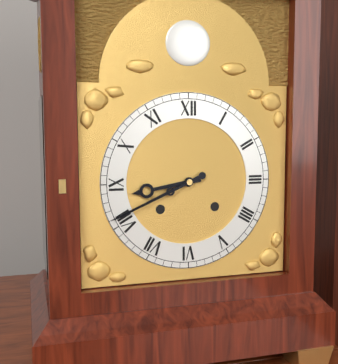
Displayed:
8,41
